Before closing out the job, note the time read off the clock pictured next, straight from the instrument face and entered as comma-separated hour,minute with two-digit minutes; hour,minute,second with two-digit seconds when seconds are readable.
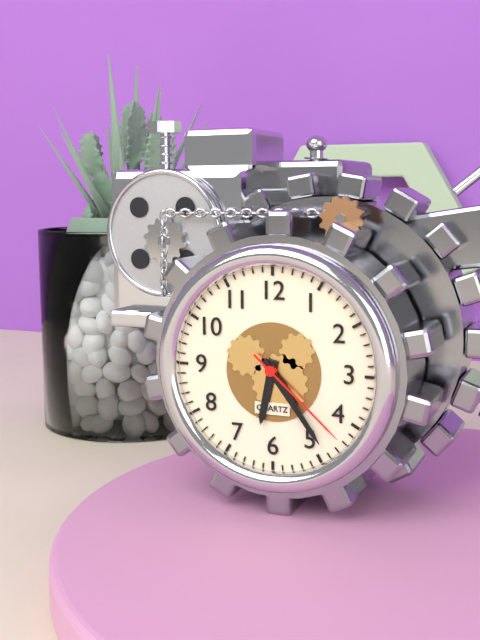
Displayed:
6,24,22
